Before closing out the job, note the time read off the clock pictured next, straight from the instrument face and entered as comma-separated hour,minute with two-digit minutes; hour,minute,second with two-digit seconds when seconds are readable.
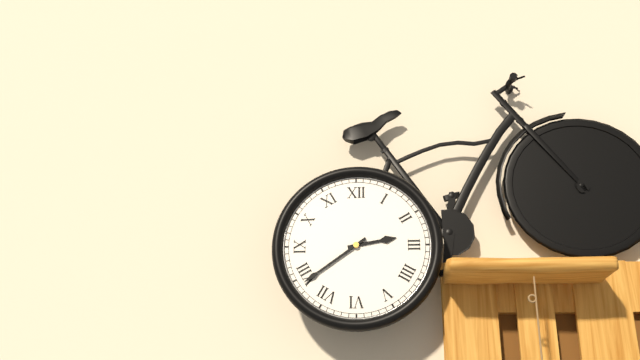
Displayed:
2,39
